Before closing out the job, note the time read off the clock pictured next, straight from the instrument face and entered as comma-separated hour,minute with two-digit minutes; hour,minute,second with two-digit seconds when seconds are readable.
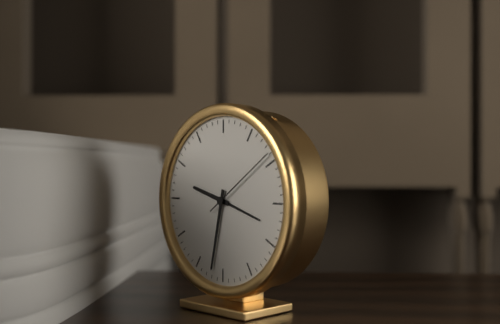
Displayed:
9,32,09
